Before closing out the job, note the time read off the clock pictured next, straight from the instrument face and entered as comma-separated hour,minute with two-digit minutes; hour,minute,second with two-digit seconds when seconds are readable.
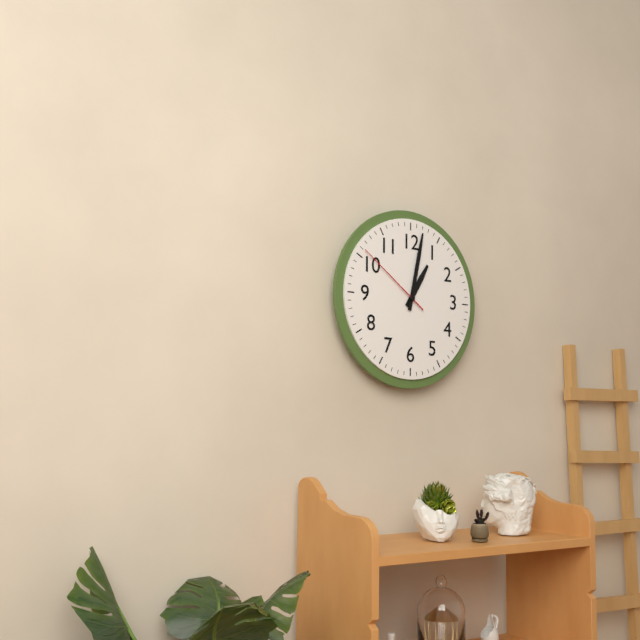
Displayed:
1,02,51
